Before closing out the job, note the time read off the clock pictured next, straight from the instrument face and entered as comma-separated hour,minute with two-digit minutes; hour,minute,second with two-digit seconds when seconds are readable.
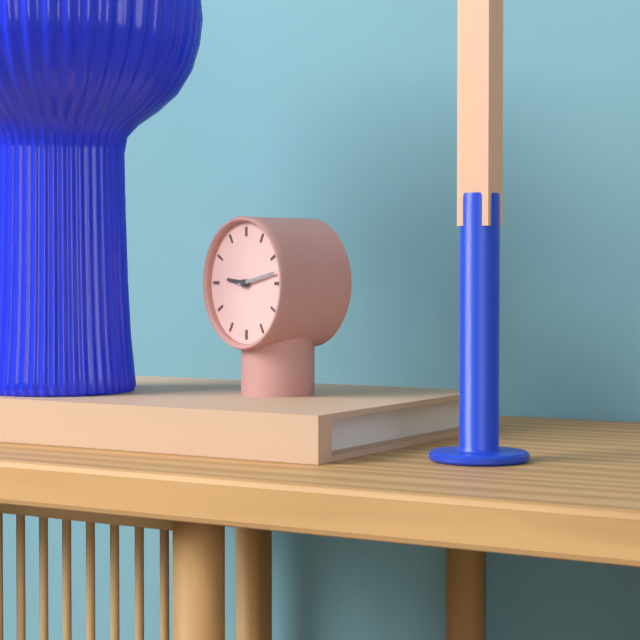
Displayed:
9,13
